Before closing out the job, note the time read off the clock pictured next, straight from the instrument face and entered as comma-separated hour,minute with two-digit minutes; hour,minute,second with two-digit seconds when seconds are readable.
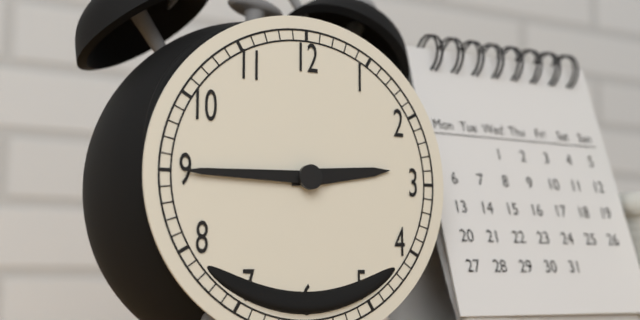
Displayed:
2,45
